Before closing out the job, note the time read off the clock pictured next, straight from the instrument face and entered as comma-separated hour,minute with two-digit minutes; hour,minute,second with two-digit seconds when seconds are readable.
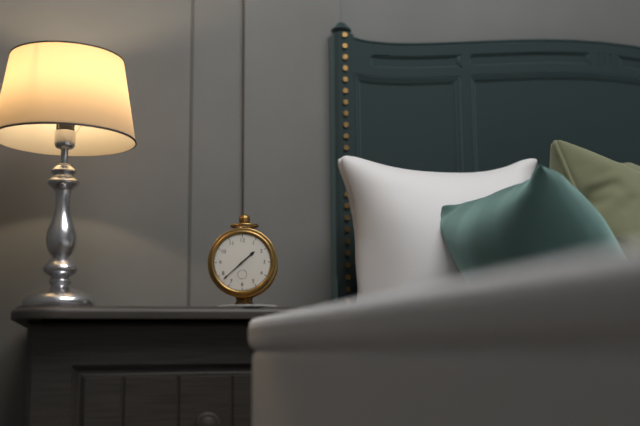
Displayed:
1,38
